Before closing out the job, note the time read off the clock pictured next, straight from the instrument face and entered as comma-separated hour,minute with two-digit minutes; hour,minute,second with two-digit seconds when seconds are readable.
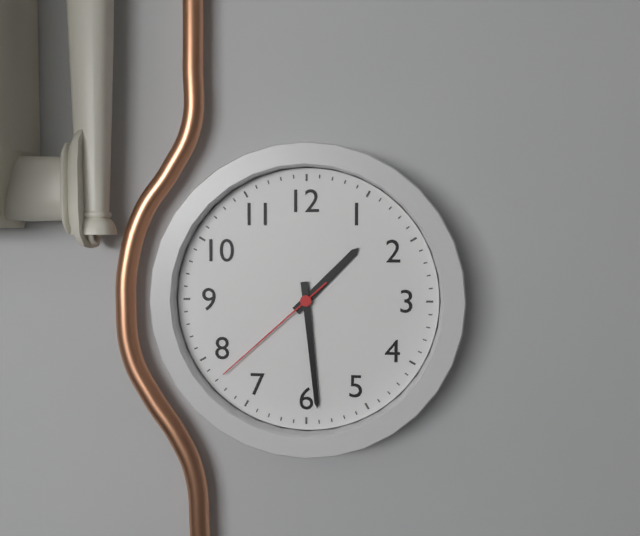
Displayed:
1,29,38
